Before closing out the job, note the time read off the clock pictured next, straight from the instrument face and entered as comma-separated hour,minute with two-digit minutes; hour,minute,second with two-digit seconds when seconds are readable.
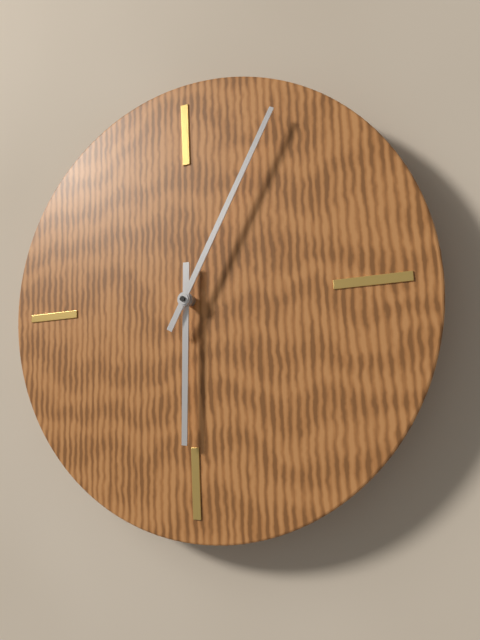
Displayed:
6,05
